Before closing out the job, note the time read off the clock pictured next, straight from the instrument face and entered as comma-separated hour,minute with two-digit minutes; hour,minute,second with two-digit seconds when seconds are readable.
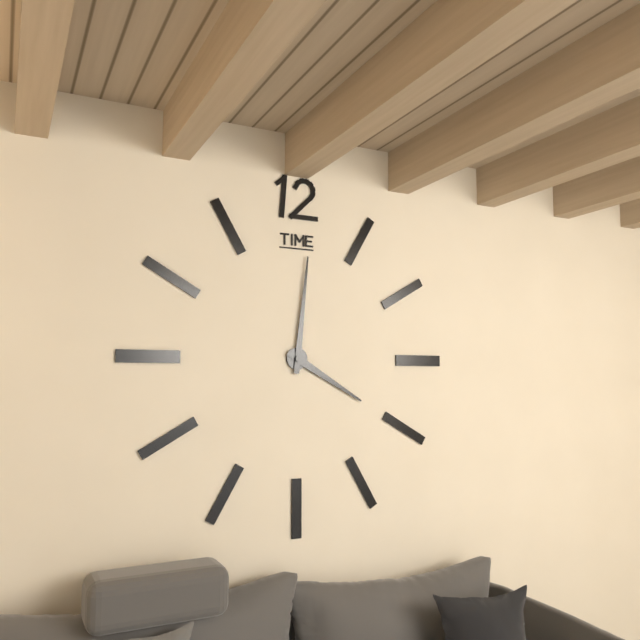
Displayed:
4,01
